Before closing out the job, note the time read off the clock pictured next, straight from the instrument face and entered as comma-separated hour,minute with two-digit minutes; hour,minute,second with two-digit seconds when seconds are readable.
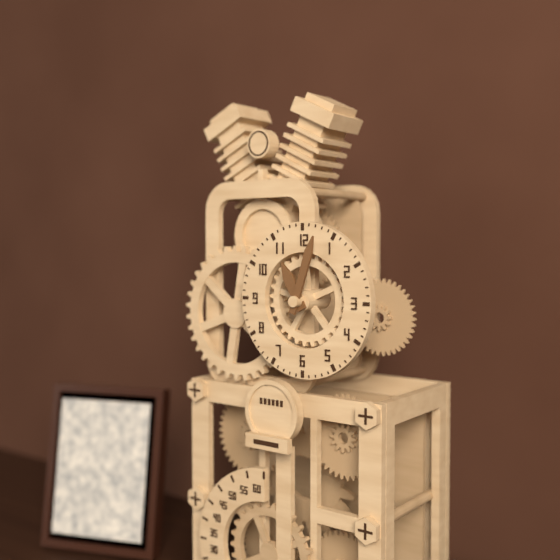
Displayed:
11,03
